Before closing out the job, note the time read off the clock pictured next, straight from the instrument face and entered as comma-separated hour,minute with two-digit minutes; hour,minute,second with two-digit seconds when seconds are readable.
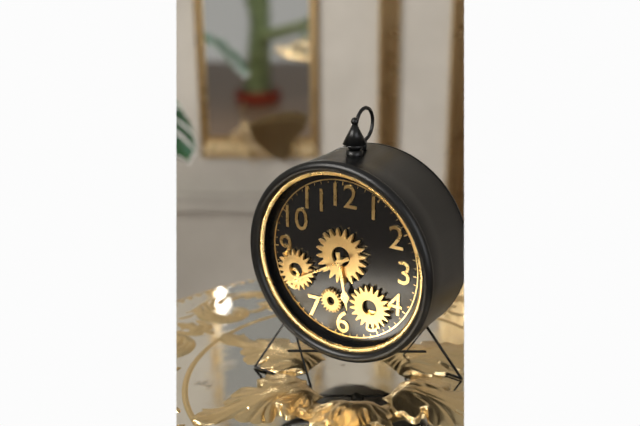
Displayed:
5,40
